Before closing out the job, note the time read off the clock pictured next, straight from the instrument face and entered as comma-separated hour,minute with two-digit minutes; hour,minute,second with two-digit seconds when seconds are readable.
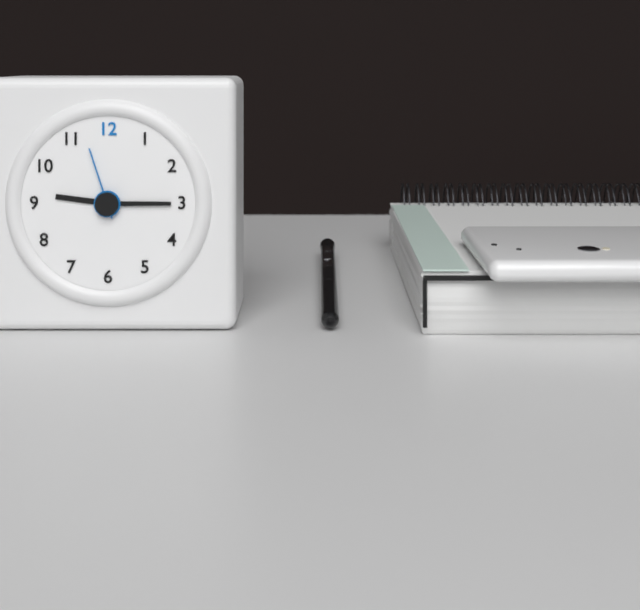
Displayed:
9,15,57
